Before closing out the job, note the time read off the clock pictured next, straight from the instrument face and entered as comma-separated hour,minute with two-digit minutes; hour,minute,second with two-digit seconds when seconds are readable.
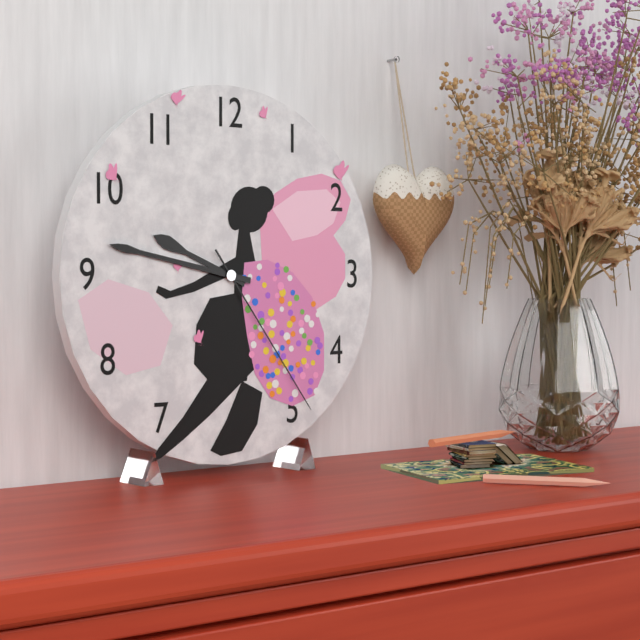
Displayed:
9,47,24
